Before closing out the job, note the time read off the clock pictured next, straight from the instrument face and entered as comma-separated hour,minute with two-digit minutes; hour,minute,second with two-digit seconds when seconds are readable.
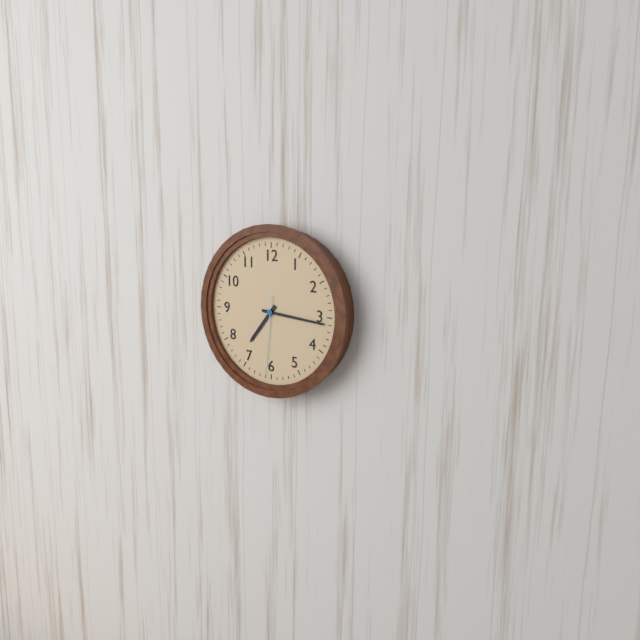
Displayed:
7,16,31
